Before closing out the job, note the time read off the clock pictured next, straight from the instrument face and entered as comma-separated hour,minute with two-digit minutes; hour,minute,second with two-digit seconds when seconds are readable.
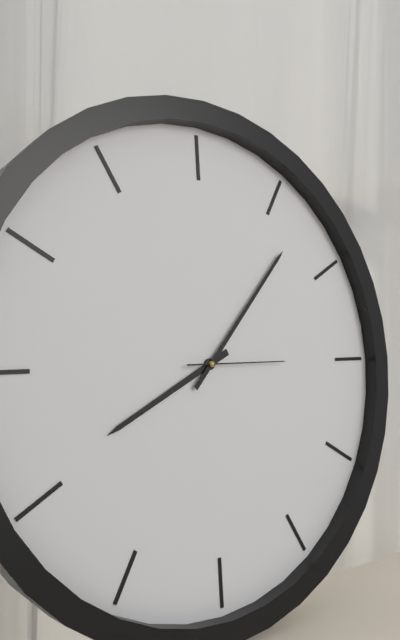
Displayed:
8,07,15
